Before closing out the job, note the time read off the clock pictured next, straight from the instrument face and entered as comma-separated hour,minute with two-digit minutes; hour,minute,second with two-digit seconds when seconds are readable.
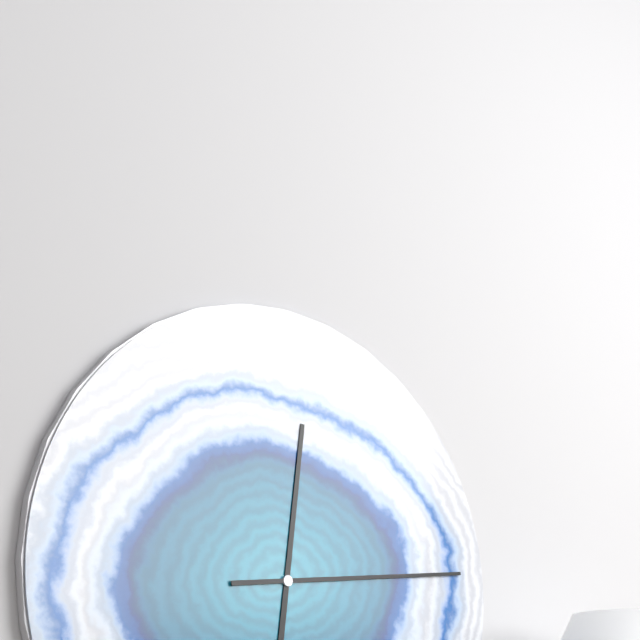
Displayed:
12,14
